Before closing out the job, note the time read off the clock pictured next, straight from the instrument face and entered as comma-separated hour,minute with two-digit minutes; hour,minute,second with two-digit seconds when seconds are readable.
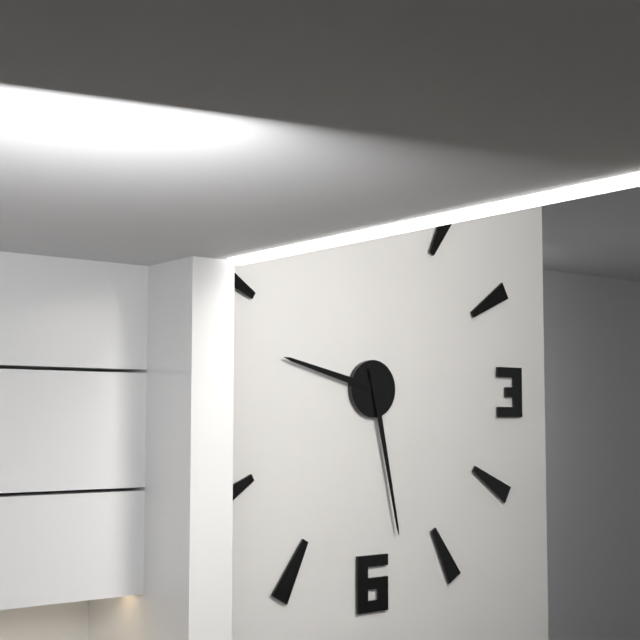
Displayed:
9,28
